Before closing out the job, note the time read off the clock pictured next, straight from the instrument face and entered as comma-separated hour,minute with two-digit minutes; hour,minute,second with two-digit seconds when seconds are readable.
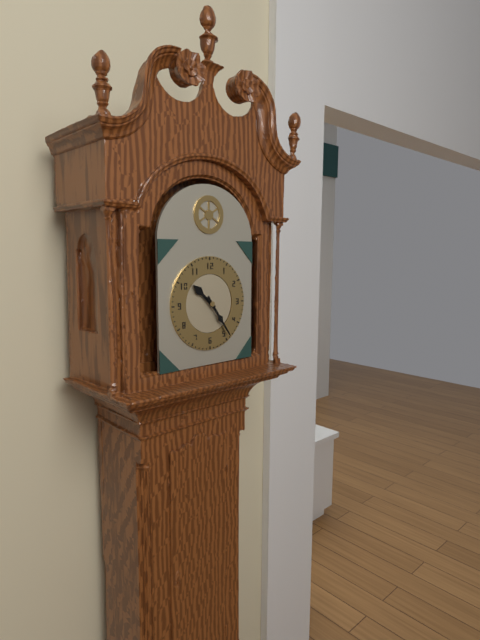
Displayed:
10,24
